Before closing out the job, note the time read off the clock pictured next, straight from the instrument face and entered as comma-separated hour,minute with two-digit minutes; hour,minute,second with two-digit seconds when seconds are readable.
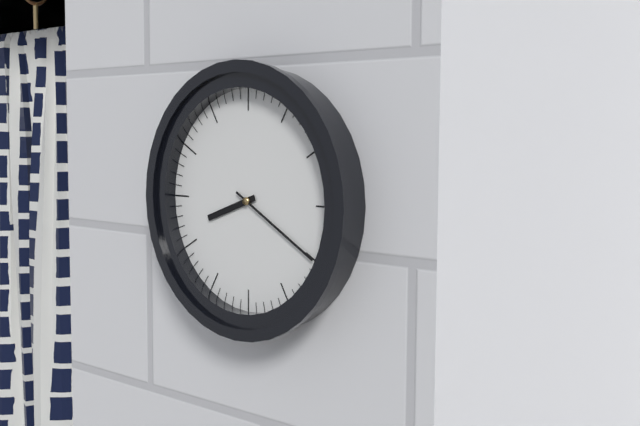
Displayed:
8,20
